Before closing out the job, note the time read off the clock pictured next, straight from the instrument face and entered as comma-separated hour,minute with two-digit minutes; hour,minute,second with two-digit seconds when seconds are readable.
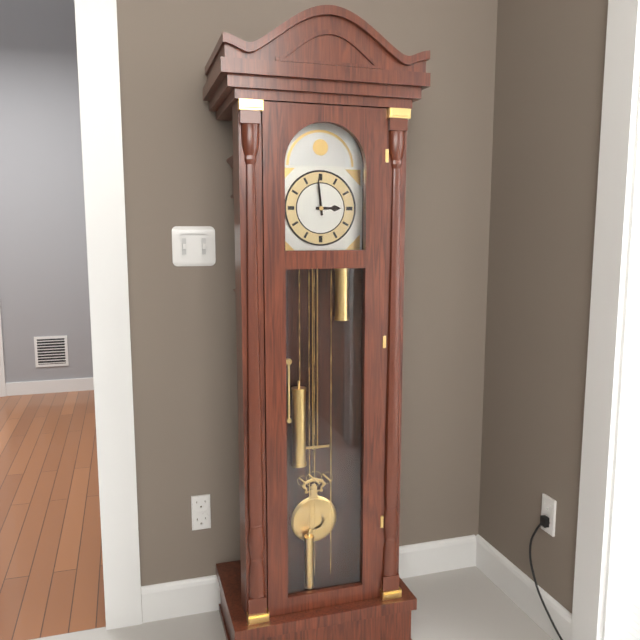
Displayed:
2,59
